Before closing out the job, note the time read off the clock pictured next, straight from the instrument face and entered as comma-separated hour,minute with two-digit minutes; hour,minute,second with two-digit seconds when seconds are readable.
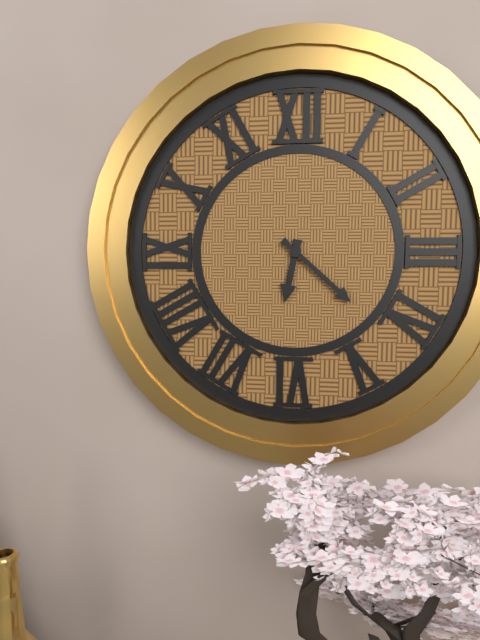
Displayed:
6,22
